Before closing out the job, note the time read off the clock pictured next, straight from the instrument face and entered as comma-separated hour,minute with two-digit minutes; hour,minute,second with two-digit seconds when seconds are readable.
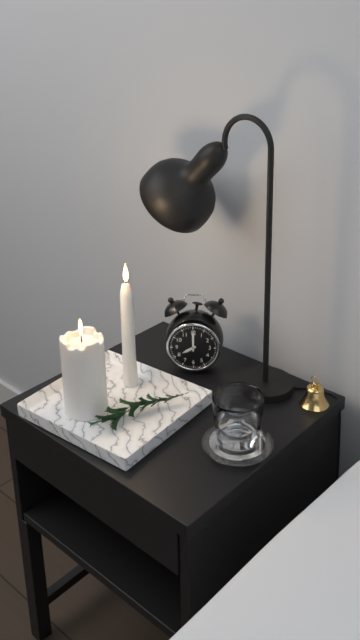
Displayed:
8,00
